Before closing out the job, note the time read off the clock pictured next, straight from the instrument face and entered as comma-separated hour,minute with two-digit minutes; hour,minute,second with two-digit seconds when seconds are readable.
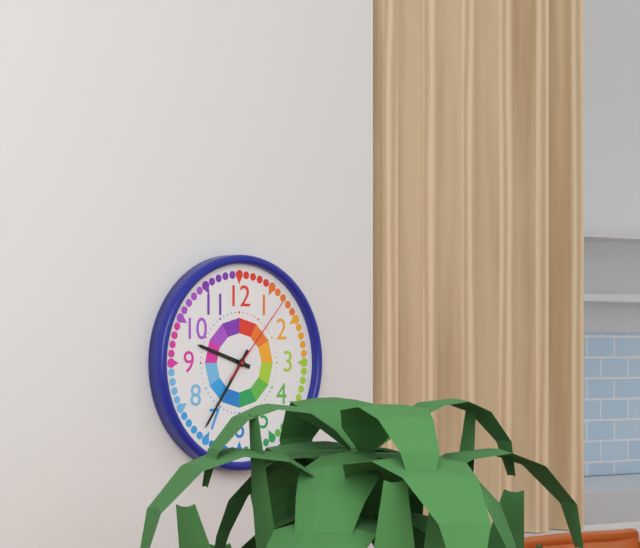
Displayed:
9,36,07
